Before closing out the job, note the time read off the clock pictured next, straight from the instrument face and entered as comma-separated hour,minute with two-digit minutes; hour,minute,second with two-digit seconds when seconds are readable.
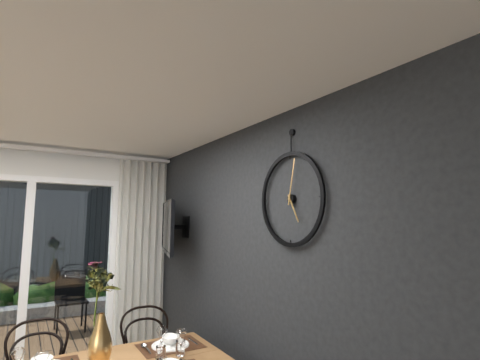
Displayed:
5,02
